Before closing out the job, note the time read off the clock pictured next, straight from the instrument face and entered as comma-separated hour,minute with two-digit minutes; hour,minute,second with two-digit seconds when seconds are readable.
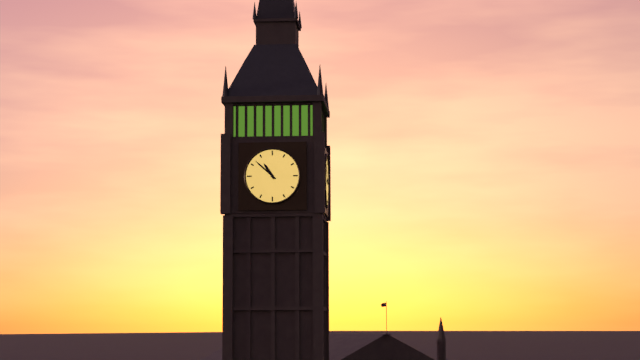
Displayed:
10,52
